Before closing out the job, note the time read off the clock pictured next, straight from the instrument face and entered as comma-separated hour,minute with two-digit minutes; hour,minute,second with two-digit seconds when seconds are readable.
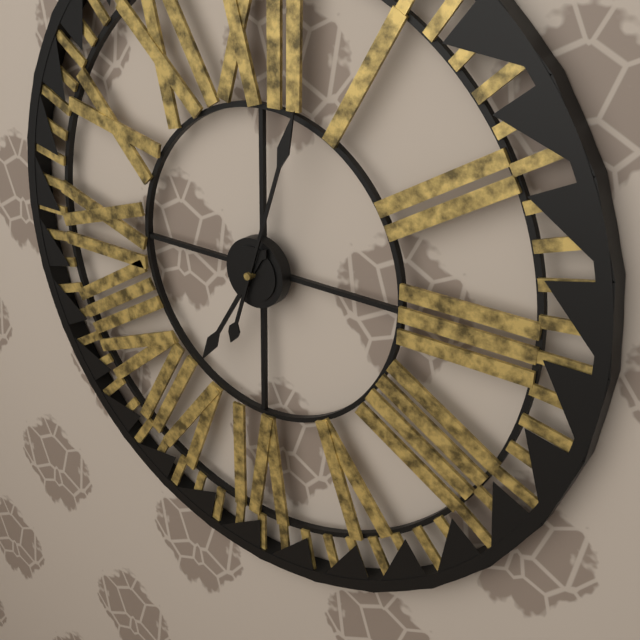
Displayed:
7,03
